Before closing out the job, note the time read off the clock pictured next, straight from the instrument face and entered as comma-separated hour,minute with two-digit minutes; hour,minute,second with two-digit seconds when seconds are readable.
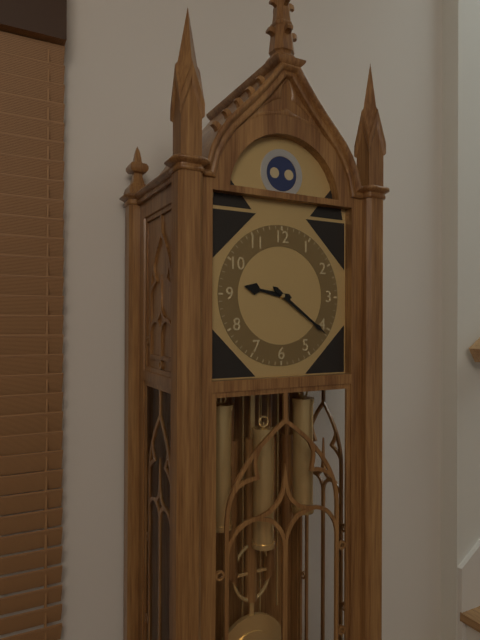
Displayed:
9,21
